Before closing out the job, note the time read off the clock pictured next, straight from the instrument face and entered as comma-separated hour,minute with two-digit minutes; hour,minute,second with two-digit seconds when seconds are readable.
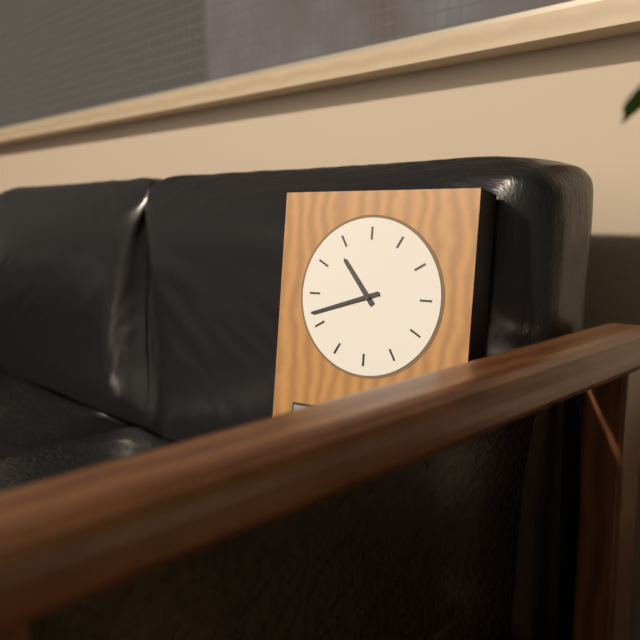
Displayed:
10,42
